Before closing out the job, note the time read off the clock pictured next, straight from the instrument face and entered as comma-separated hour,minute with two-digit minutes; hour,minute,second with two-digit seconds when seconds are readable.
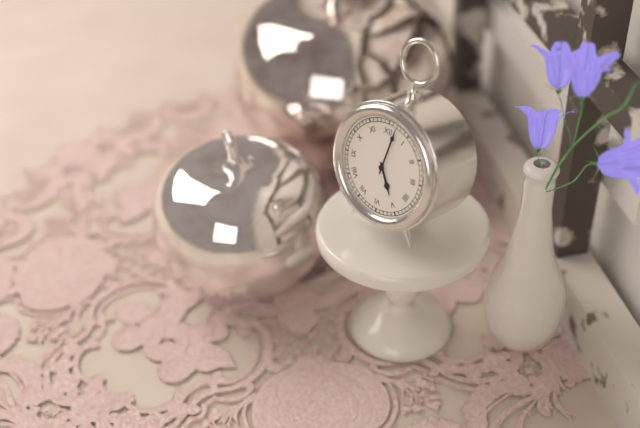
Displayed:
5,02
